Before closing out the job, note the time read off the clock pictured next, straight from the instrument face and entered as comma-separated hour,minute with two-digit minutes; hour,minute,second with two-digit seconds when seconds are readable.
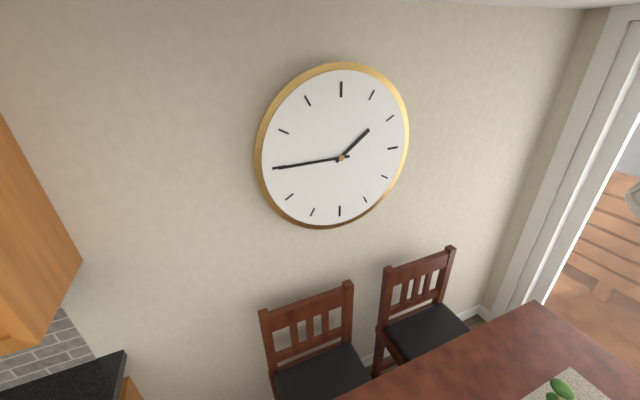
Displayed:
1,45
